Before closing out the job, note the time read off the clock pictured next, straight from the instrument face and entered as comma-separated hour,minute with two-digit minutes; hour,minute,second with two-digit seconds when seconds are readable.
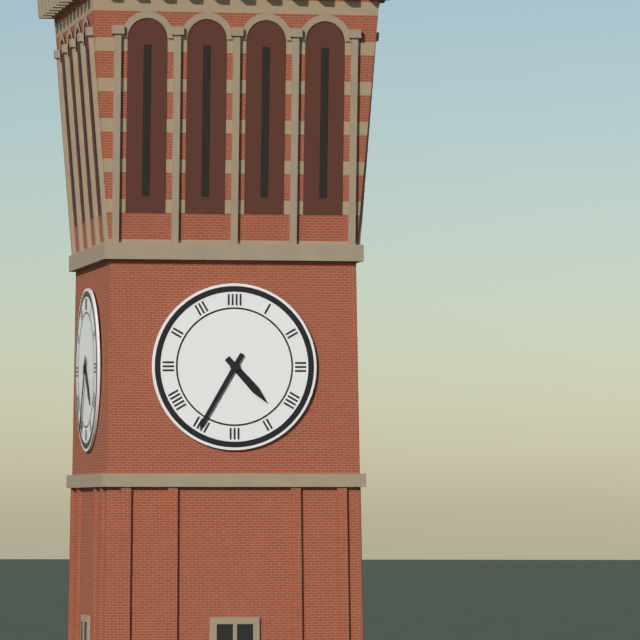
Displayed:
4,35
